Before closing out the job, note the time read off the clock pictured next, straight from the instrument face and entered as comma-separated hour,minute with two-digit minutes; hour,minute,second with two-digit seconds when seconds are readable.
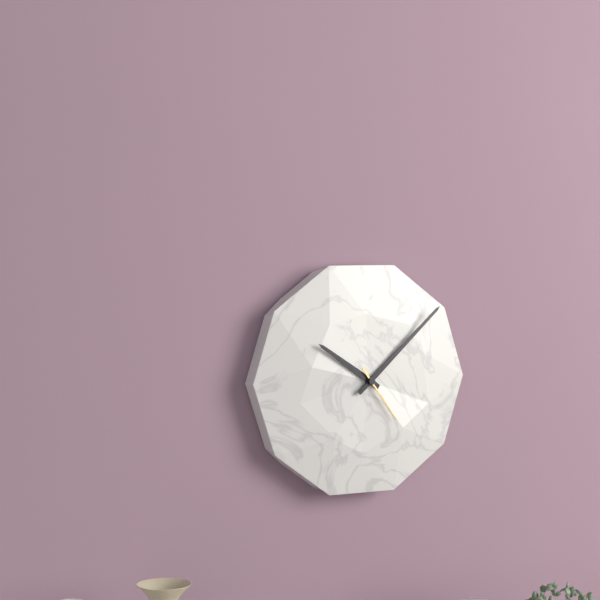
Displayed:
10,08,24
